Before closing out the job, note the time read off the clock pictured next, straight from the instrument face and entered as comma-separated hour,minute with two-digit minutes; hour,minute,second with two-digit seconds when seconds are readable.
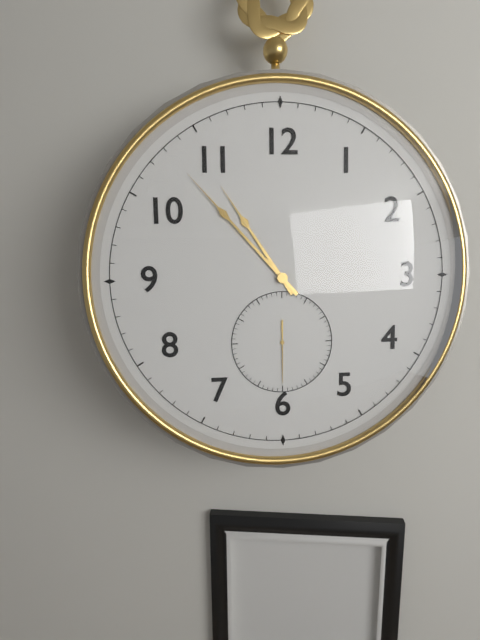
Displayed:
10,53,30
